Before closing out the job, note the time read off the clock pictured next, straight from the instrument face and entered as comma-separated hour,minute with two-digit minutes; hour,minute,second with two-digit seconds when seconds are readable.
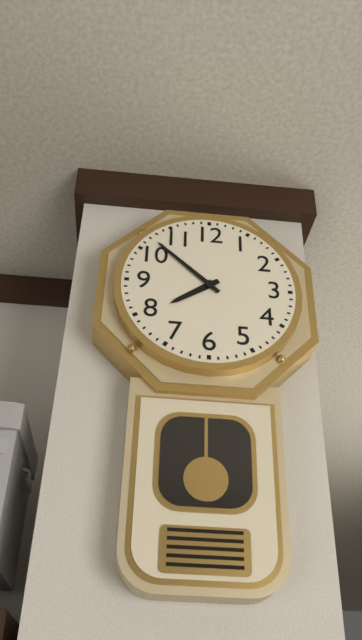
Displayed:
7,52
